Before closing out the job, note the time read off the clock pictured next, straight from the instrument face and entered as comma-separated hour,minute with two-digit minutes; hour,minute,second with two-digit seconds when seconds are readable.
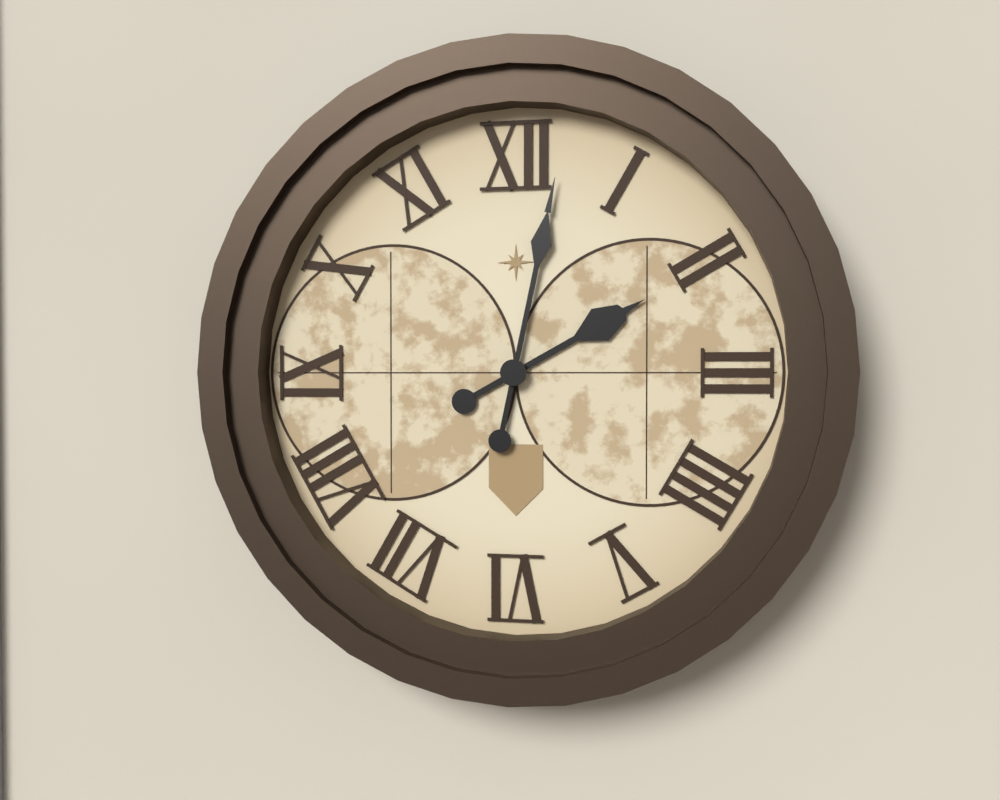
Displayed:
2,02
